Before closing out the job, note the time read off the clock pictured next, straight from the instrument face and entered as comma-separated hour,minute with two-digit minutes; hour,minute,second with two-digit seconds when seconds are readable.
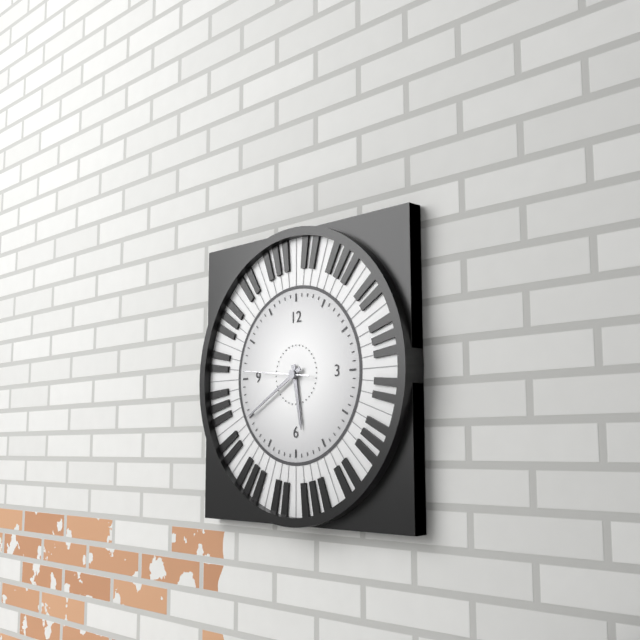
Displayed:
5,40,46
